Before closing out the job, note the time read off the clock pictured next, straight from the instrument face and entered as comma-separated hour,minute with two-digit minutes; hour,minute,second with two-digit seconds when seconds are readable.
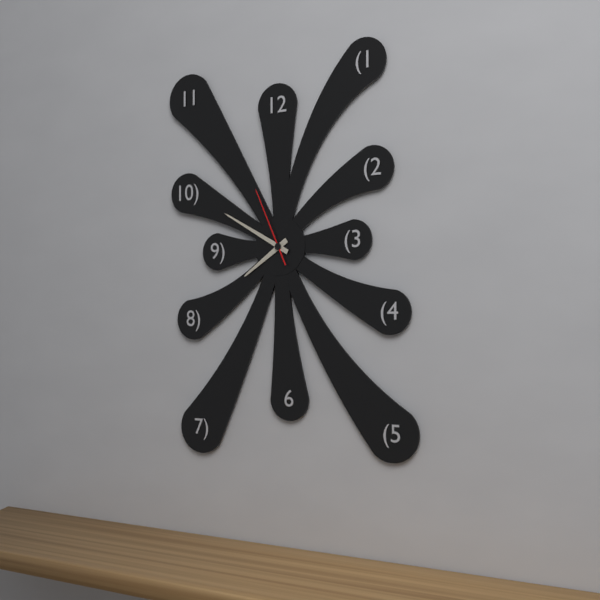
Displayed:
7,50,56
